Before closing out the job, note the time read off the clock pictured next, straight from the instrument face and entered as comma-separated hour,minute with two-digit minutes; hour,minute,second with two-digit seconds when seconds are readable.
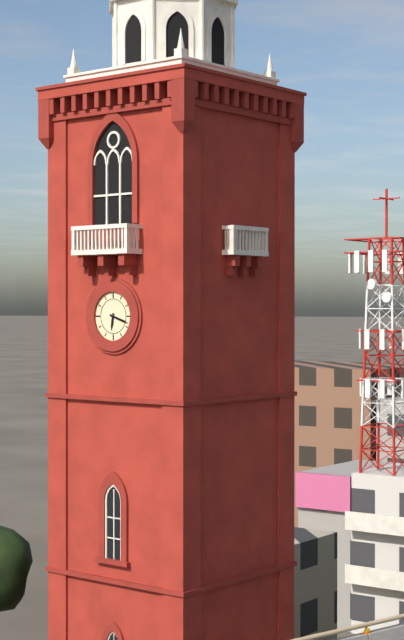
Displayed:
6,18
